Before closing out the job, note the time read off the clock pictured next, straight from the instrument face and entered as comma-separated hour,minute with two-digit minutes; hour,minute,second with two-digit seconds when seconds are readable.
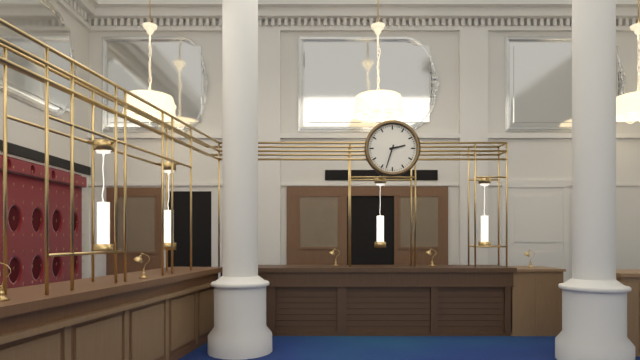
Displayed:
2,33
